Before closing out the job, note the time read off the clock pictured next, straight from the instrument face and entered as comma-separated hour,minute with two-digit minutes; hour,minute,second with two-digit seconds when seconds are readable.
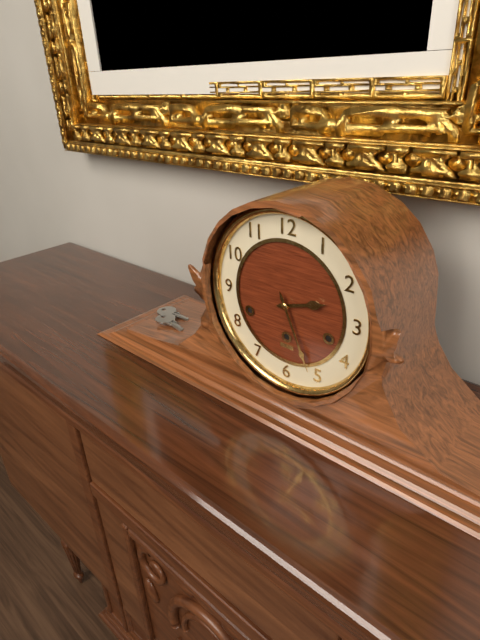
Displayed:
2,26
